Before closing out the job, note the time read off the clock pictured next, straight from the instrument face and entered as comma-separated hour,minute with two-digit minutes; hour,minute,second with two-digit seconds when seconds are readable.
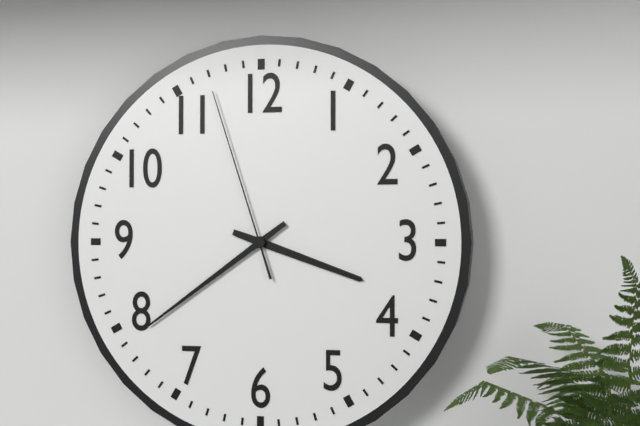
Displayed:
3,39,57
